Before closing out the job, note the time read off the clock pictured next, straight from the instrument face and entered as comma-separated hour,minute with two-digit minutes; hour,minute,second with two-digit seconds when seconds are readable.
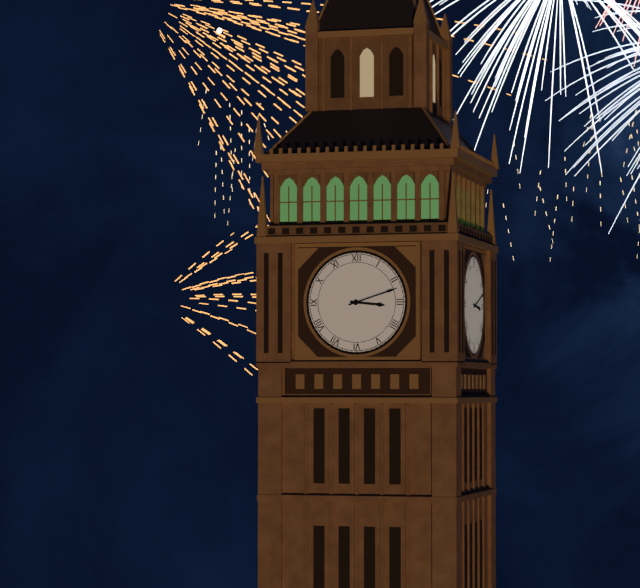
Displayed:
3,12
